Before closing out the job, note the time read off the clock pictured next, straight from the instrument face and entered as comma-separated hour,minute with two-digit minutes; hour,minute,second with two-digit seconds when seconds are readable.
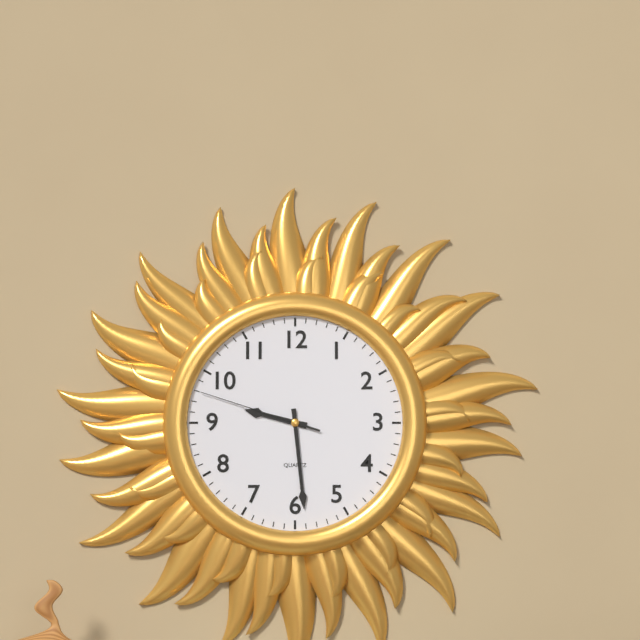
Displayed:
9,29,48
